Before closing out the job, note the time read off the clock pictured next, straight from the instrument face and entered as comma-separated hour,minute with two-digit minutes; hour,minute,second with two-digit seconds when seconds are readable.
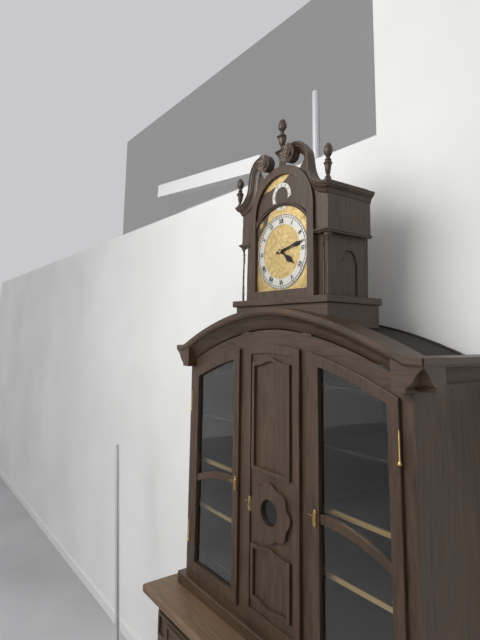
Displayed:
4,13
